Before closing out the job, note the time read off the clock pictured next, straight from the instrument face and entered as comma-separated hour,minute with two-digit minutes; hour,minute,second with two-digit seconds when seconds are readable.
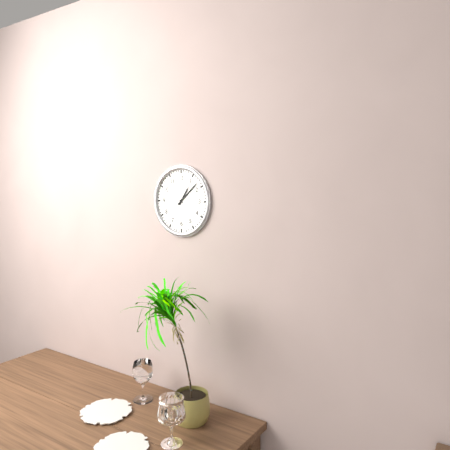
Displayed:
1,08
